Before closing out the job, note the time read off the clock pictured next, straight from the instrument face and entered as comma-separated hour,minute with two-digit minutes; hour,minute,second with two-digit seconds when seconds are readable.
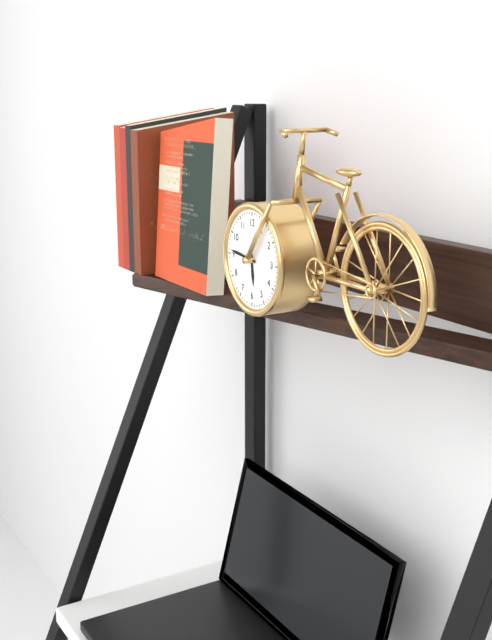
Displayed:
5,46
